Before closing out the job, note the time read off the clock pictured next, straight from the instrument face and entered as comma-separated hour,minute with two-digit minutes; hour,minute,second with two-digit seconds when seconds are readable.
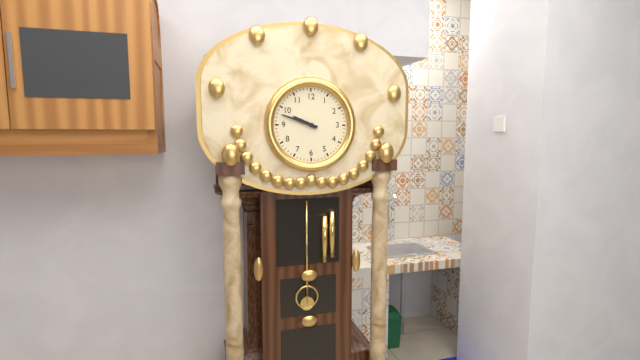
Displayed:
9,48
